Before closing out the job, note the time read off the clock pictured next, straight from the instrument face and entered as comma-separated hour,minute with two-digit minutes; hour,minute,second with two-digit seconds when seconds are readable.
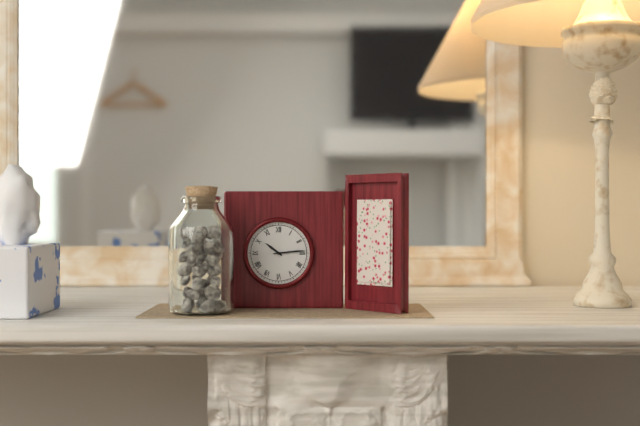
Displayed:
10,14
